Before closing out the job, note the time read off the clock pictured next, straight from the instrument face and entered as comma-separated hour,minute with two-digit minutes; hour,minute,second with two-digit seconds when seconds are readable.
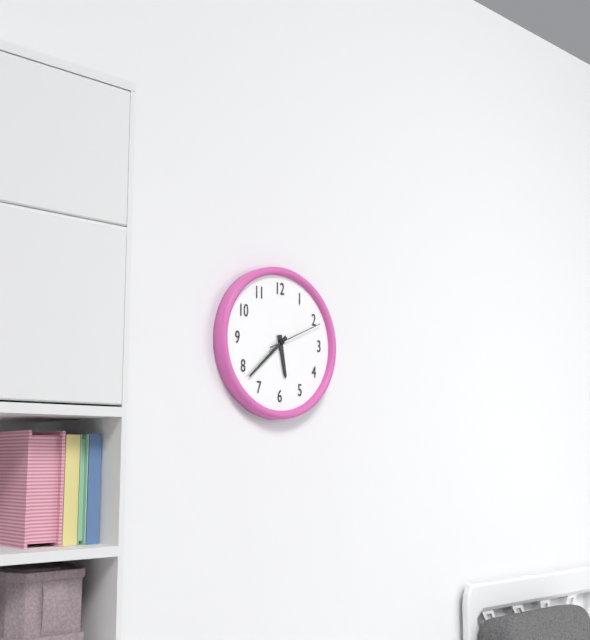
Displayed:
5,38,11
